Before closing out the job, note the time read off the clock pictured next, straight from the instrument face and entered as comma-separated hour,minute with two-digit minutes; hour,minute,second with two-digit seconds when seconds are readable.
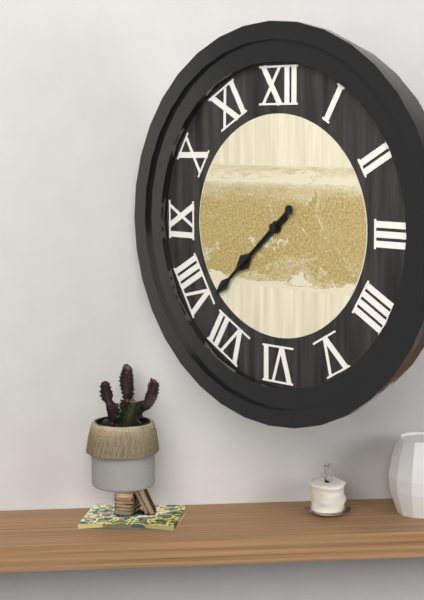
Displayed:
7,38,38
